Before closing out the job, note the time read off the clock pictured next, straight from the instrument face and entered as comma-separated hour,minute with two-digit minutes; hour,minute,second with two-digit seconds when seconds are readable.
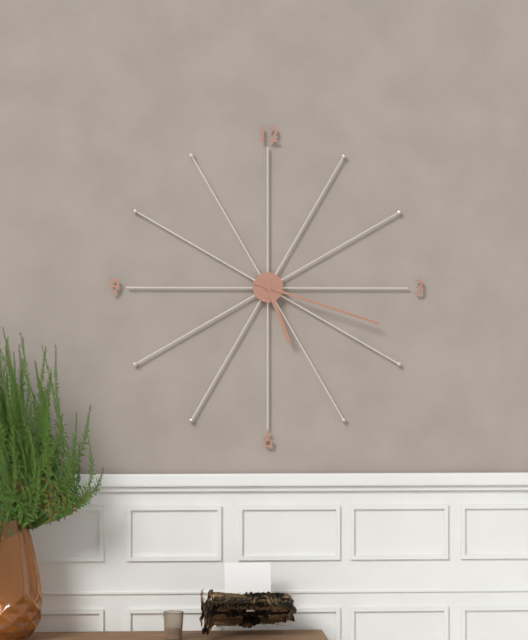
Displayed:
5,18
